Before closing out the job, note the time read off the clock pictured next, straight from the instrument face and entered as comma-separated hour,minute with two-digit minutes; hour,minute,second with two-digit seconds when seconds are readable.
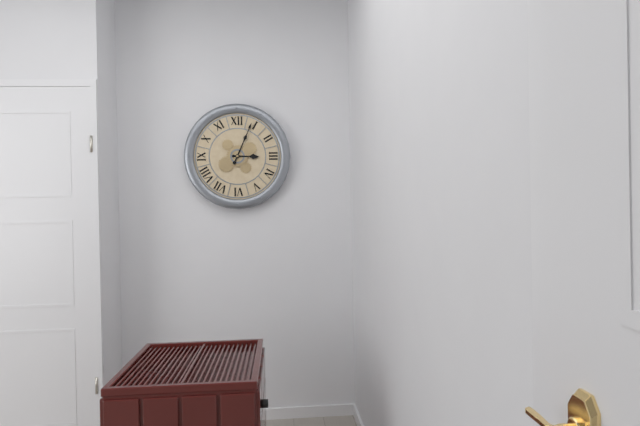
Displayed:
3,04
